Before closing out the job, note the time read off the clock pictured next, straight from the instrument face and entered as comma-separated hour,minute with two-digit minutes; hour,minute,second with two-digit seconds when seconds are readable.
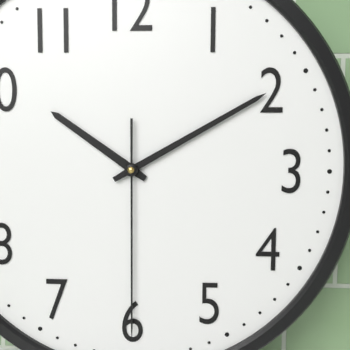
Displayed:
10,10,30
